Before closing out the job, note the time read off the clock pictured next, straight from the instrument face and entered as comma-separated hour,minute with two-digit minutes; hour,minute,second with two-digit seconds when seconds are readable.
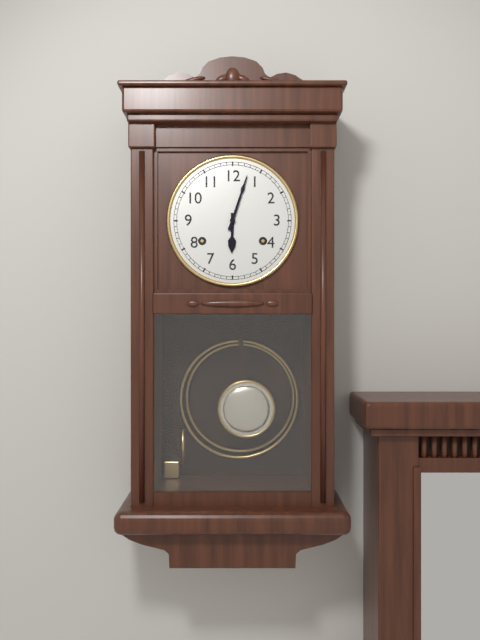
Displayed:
6,03
